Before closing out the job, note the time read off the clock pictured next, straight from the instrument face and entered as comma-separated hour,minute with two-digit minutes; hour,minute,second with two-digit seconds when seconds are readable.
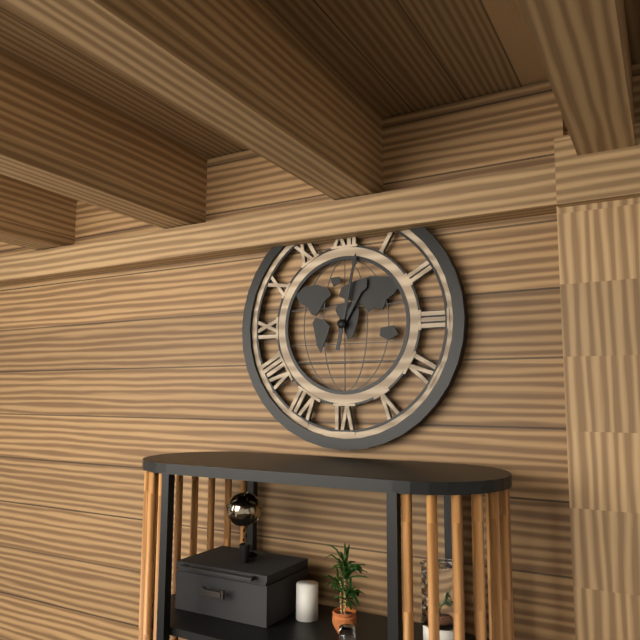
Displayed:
1,02
